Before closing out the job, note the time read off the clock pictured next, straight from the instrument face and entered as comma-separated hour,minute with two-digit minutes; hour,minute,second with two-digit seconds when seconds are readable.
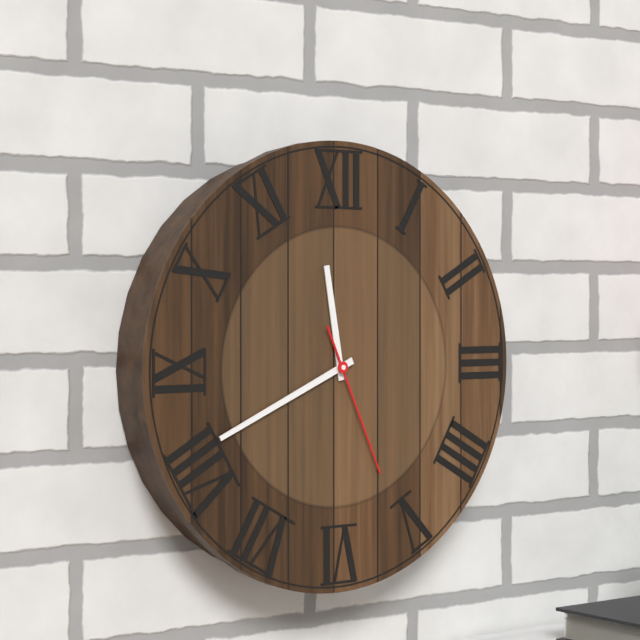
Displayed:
11,41,26
